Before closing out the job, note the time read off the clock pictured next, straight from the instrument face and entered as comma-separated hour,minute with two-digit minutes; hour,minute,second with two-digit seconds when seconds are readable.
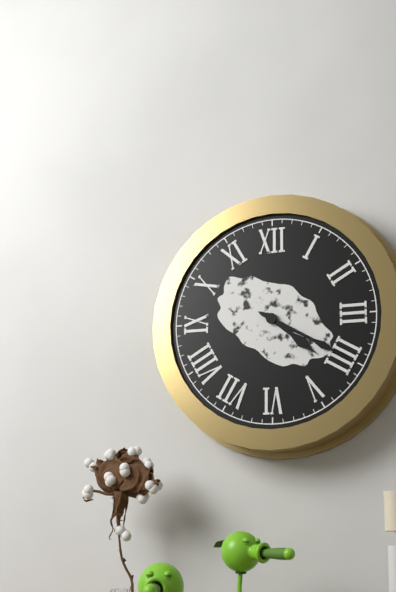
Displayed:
4,20
